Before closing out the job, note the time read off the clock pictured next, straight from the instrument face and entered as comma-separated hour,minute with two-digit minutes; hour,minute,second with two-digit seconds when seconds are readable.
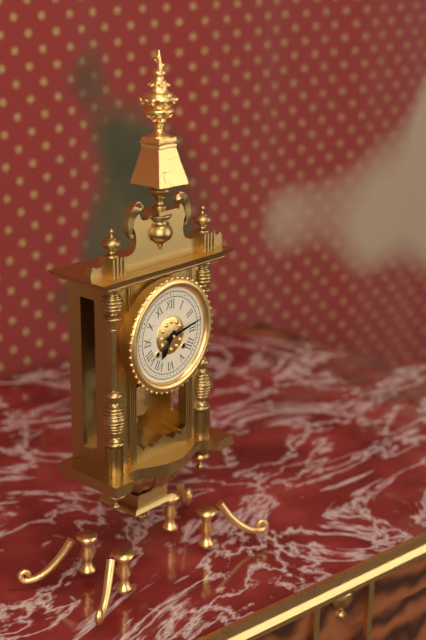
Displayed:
7,13
